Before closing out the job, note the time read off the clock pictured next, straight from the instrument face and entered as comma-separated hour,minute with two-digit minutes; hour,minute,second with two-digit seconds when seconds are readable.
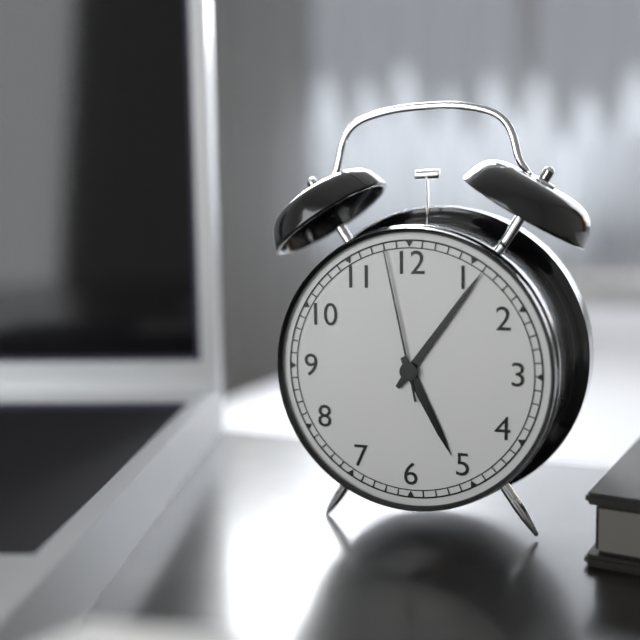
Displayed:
5,06,58
